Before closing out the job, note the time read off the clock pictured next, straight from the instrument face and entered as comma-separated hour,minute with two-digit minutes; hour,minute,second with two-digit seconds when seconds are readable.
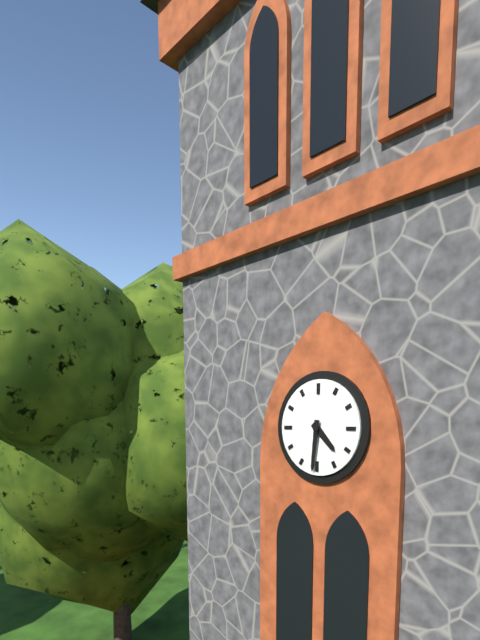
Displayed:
4,31
